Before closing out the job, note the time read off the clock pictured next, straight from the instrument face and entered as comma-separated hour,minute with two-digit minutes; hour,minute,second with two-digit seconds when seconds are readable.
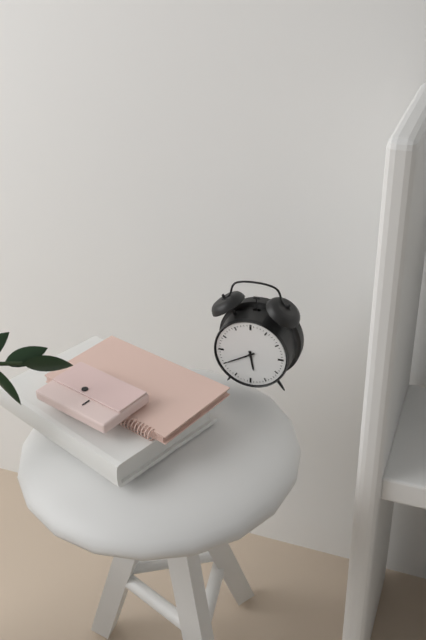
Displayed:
5,40
